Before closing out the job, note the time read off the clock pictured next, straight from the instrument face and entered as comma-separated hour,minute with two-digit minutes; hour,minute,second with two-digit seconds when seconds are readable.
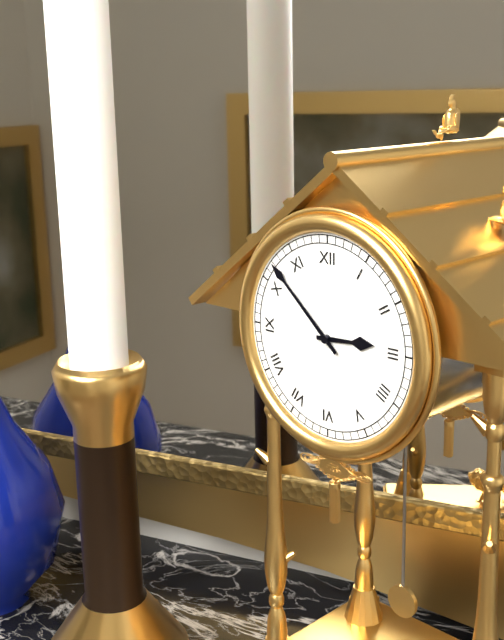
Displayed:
2,52
